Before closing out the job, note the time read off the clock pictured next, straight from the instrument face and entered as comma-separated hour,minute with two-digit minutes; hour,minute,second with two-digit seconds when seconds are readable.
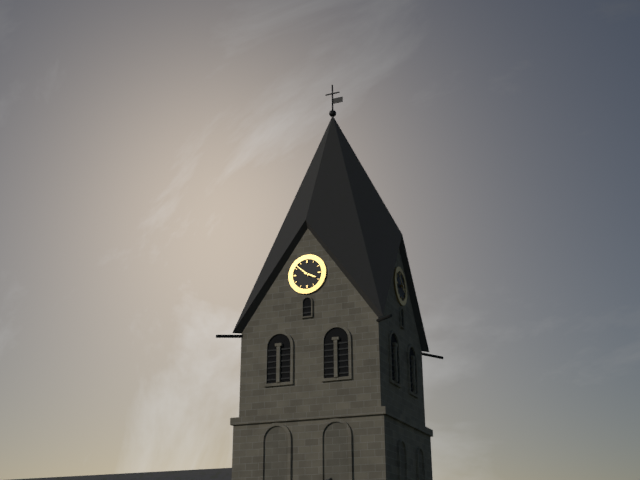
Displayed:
3,52
